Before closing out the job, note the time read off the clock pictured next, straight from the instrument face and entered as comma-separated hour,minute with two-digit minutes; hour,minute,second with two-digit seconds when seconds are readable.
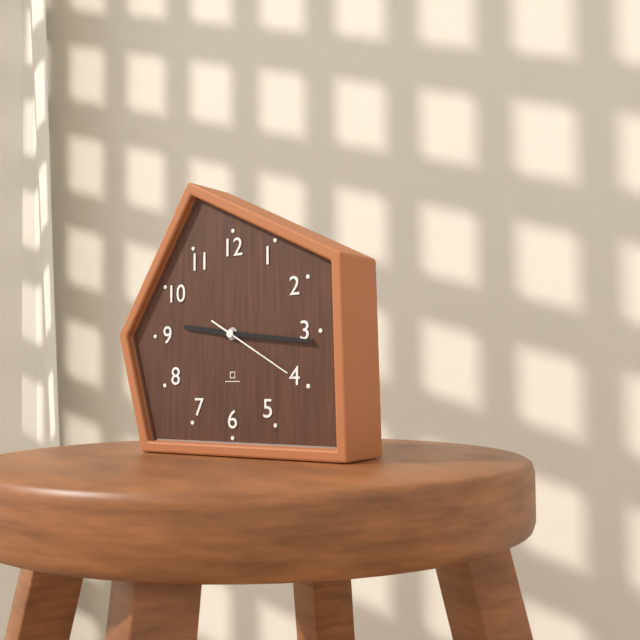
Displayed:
9,16,20
